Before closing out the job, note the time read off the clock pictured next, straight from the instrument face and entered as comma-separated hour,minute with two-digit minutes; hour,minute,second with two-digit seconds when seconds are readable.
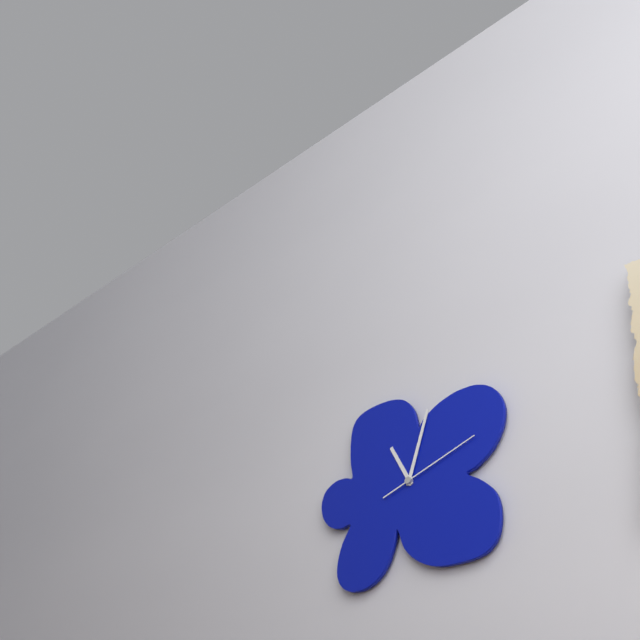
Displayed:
11,03,12
